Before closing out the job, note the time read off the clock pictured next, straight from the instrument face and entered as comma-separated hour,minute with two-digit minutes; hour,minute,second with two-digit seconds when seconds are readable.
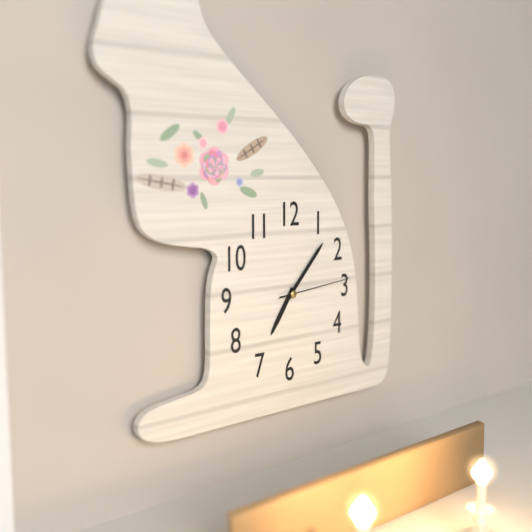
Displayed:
7,07,14
